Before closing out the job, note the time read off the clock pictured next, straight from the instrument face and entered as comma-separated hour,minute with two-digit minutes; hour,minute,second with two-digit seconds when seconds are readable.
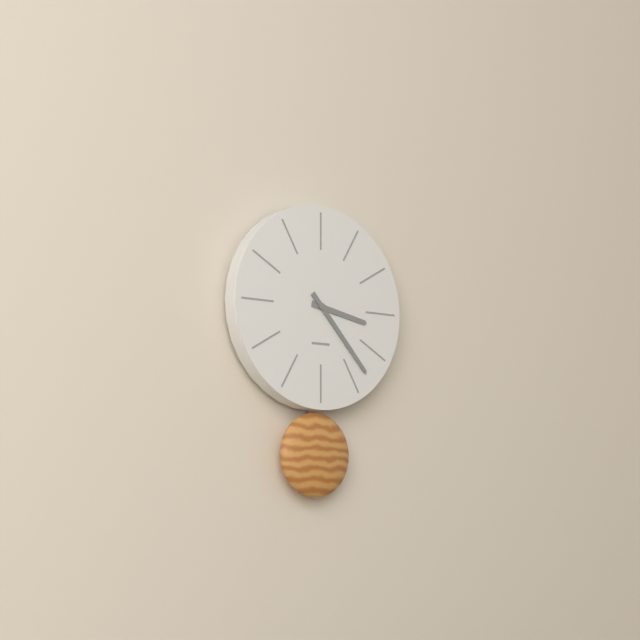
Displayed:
3,23
